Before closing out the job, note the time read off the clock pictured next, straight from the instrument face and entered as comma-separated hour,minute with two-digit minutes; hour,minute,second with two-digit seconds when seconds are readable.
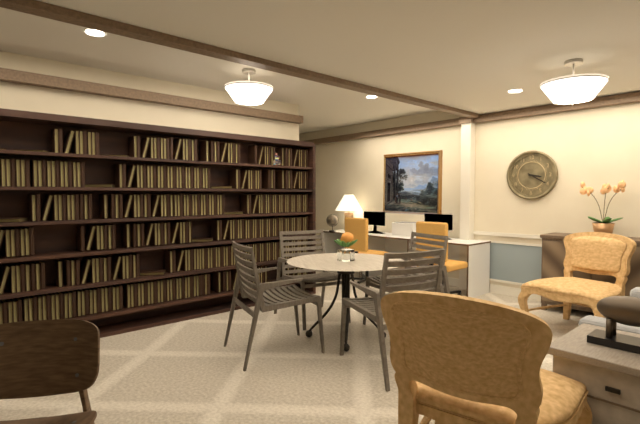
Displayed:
3,20
